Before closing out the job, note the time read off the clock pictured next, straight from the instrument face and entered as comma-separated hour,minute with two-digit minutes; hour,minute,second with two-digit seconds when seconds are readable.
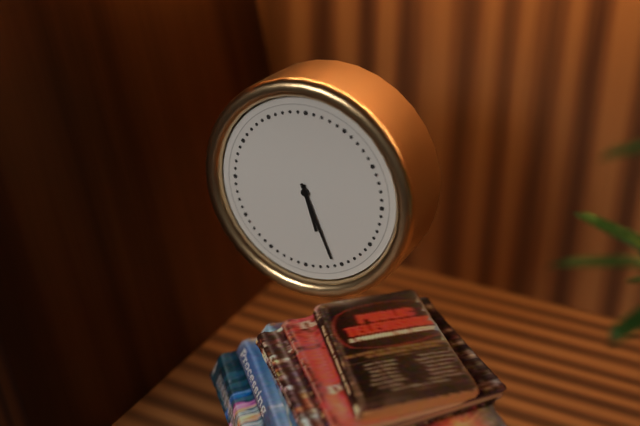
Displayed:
5,26
